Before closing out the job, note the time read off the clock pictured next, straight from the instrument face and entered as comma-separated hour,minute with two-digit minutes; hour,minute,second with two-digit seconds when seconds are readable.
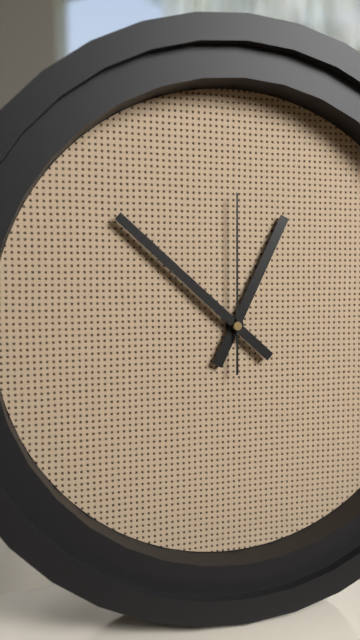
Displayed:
12,52,00
